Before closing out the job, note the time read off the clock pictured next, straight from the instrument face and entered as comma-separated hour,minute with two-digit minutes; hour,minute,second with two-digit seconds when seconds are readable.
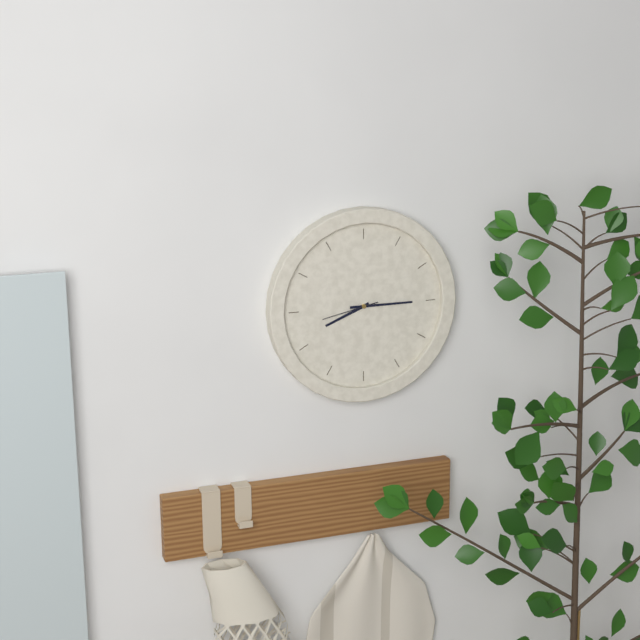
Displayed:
8,15,43
